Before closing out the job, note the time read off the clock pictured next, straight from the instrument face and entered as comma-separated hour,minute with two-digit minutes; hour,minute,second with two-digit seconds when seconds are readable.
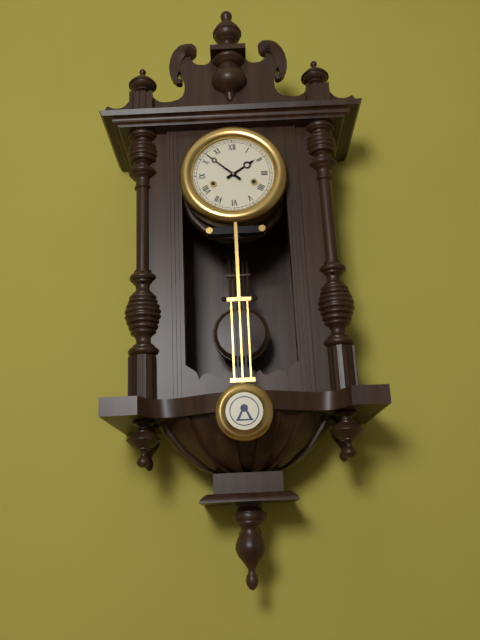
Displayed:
1,52
